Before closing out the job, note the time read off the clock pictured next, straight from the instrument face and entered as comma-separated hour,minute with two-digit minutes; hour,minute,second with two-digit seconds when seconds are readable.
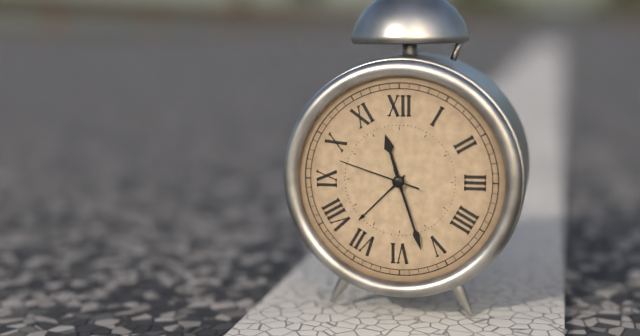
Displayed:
11,27,48
